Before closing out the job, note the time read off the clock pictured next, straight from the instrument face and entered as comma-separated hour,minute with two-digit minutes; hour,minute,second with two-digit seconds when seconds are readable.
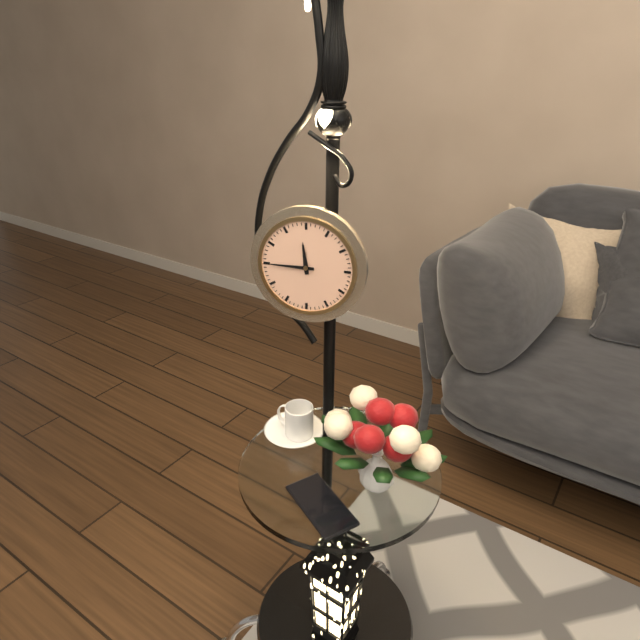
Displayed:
11,45
